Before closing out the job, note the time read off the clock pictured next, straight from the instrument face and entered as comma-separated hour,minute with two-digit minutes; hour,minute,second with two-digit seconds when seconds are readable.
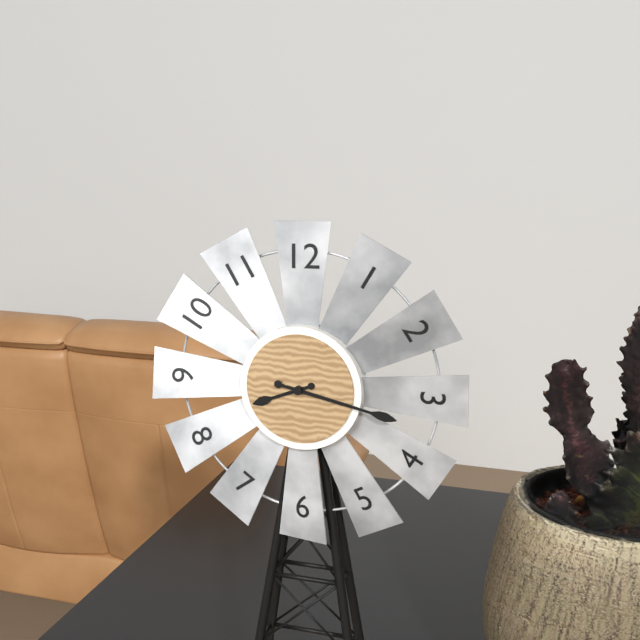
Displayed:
8,17
